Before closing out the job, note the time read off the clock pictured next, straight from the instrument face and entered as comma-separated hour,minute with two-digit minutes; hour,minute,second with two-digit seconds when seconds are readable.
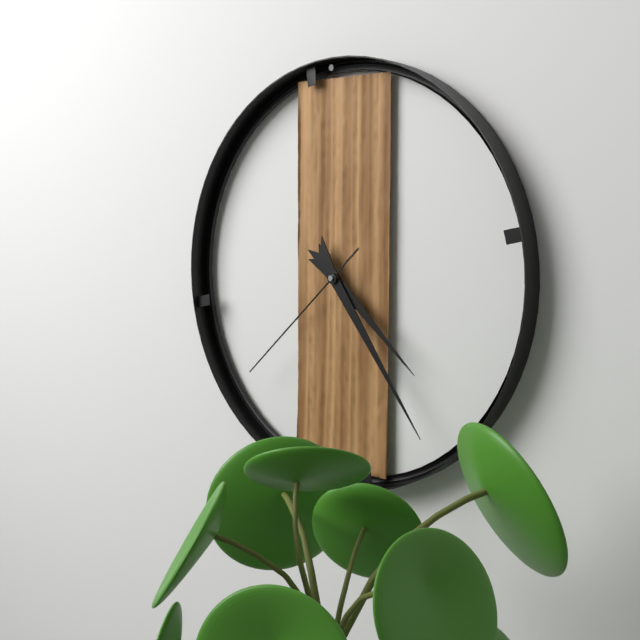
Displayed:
4,24,38
